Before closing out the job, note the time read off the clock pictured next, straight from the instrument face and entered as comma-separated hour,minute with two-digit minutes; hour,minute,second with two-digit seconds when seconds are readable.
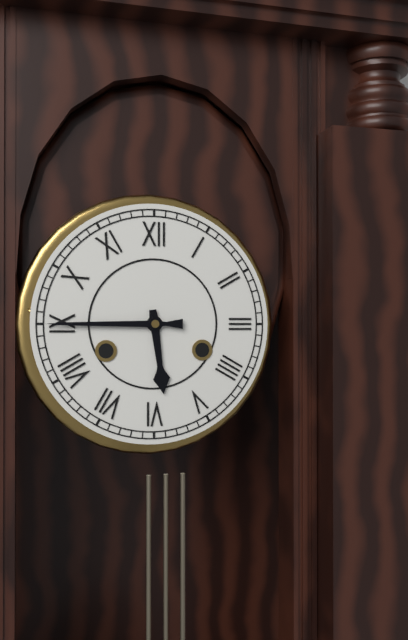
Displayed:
5,45
